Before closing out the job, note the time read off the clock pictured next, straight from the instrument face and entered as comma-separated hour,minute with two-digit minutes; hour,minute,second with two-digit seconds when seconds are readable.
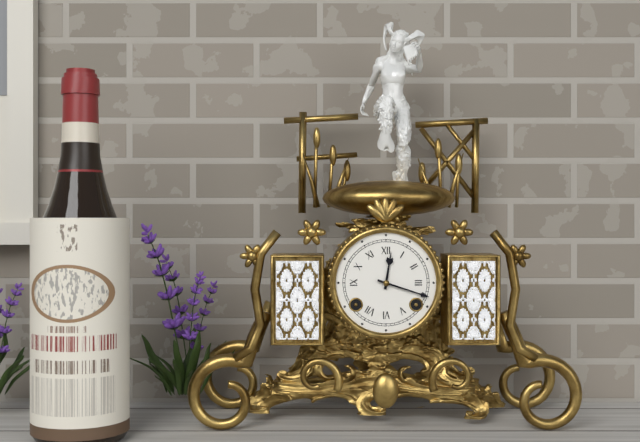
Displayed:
12,18
